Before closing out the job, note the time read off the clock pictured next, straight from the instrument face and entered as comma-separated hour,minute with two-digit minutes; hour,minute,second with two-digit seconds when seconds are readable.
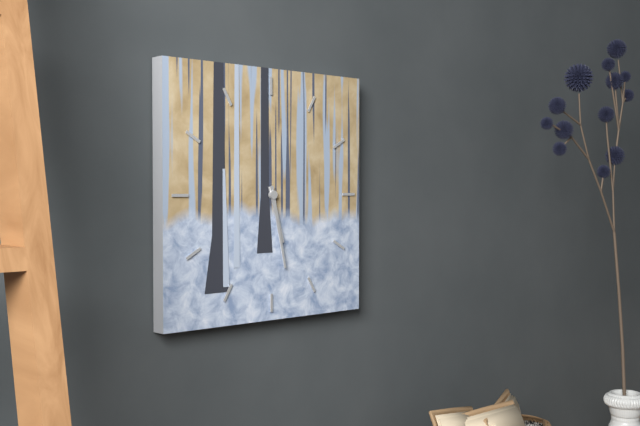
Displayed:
5,28
